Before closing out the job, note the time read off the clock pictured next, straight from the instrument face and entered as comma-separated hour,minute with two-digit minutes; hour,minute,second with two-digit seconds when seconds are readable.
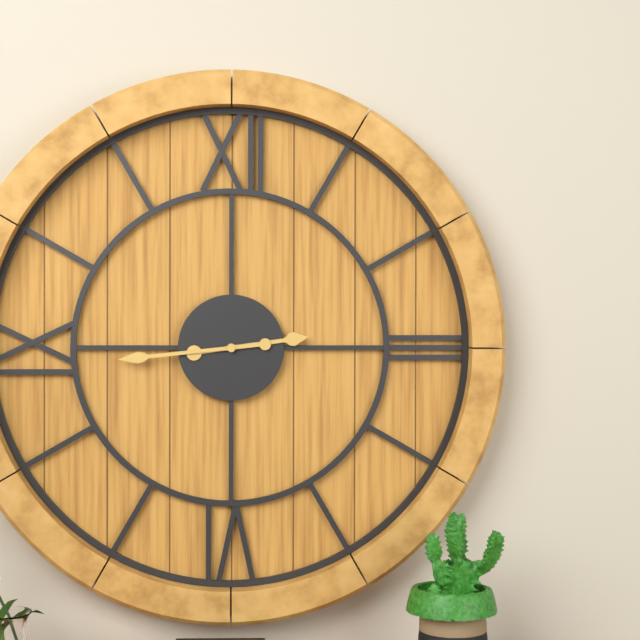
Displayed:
2,44
